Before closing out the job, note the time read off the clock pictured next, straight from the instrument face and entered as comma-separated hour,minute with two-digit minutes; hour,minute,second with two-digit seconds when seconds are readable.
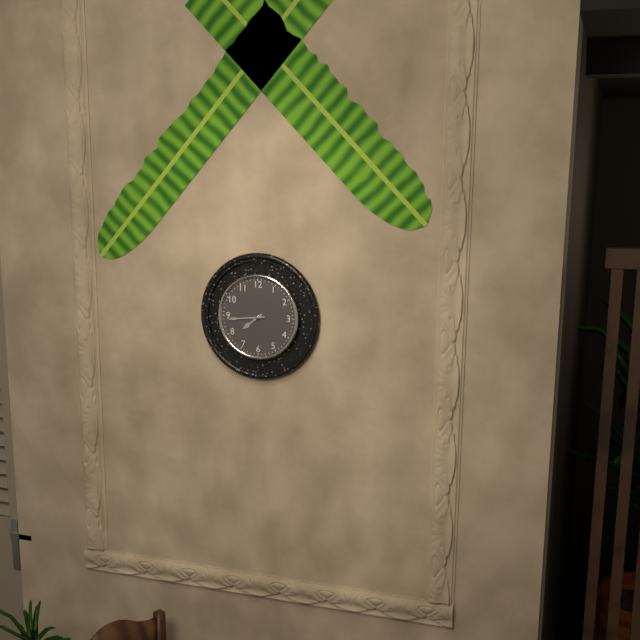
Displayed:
7,44
